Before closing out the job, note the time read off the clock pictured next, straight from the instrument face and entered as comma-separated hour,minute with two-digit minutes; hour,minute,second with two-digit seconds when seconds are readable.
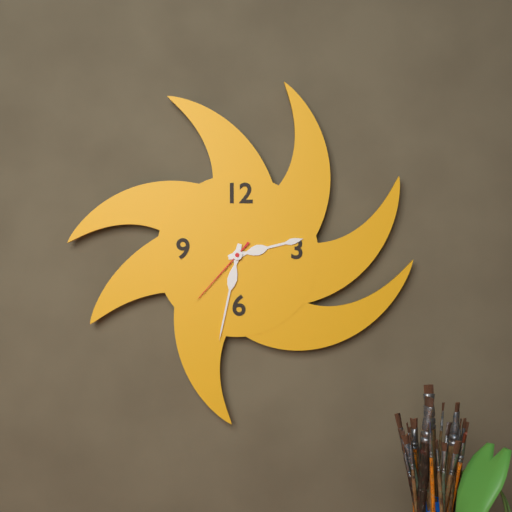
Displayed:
2,32,37
